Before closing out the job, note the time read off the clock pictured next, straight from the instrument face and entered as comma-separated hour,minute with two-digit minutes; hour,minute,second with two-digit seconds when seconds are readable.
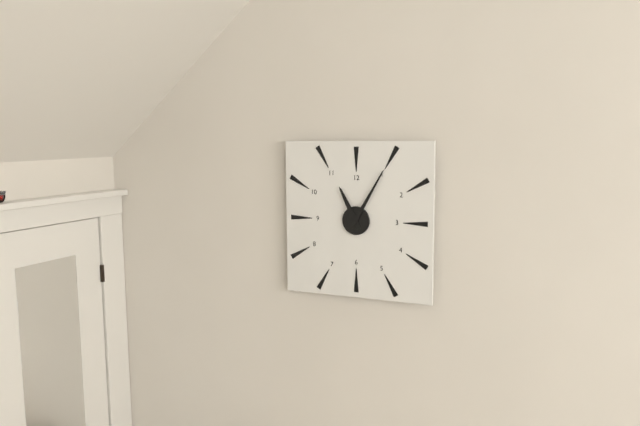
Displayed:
11,05
